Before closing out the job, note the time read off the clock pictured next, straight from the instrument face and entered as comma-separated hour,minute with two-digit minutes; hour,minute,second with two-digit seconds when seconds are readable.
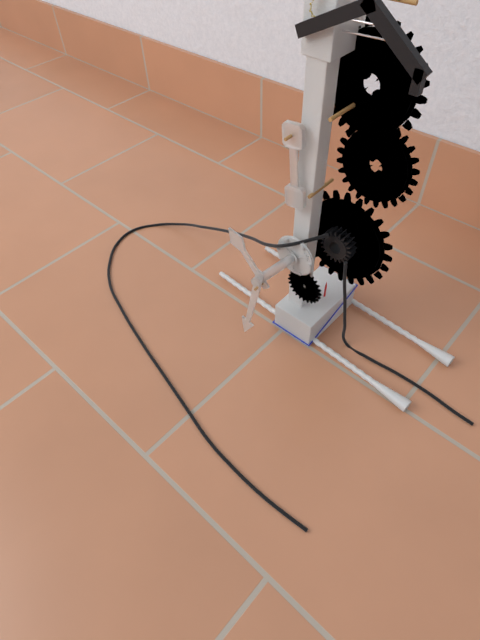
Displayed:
10,32
